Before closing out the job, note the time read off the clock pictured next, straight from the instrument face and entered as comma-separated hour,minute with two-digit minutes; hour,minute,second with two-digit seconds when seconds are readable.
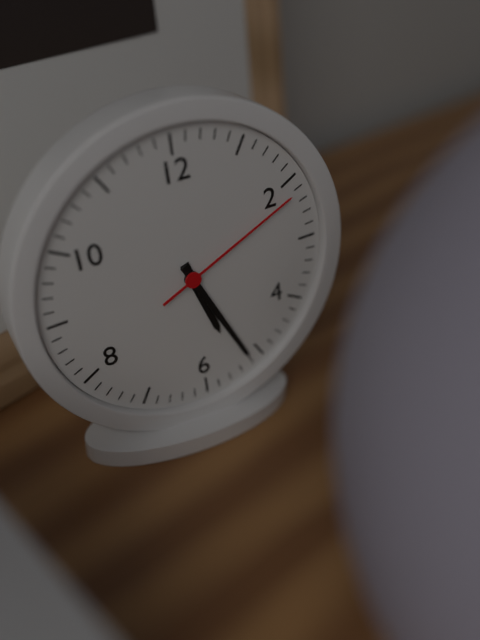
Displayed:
5,26,11
